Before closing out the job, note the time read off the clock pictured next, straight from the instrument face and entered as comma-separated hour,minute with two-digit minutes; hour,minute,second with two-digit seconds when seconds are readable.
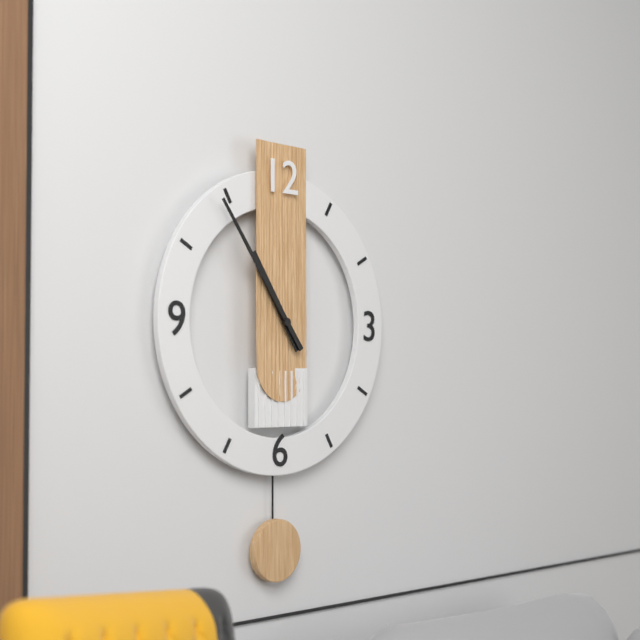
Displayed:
10,54
